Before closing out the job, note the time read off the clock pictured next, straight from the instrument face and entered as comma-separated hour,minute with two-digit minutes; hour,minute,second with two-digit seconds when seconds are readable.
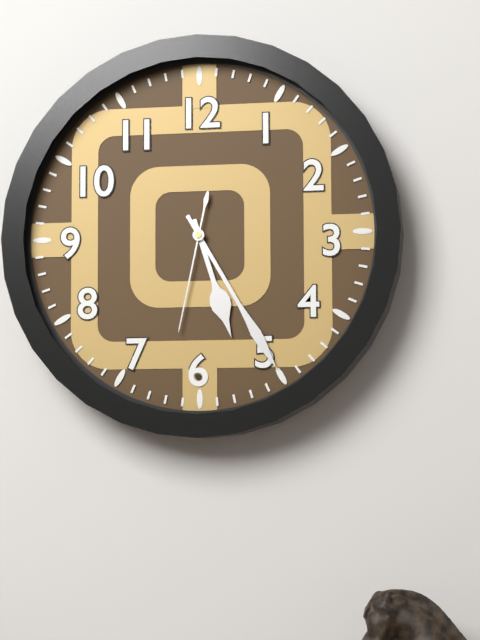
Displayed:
5,25,32
